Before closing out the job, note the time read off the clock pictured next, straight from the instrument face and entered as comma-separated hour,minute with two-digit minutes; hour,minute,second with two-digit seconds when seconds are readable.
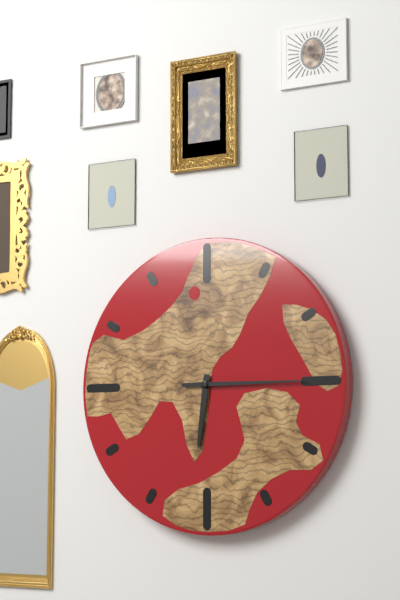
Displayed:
6,15
